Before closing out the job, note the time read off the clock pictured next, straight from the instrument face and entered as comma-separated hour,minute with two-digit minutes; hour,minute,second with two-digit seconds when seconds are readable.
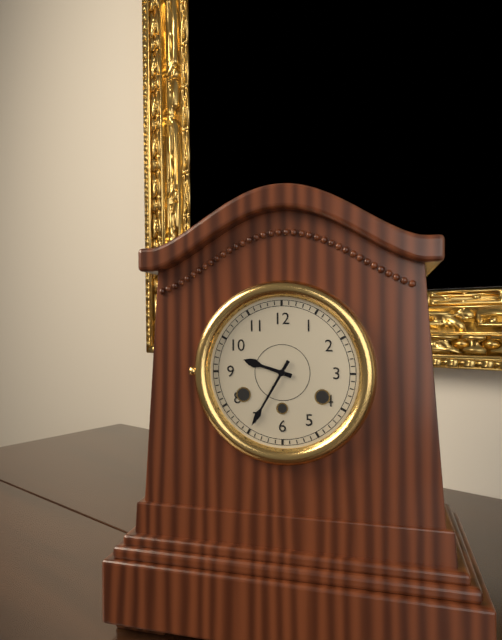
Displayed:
9,35
